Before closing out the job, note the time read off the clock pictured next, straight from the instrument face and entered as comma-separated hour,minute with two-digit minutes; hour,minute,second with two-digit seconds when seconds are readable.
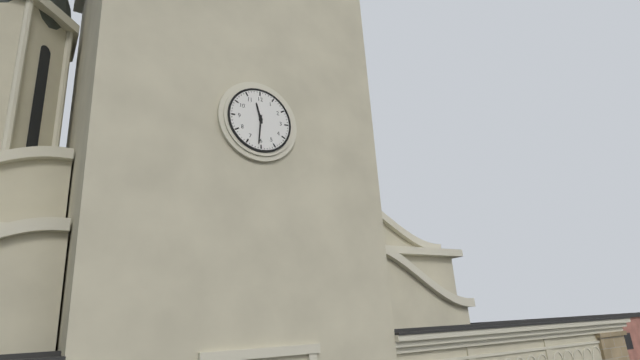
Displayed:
11,31
